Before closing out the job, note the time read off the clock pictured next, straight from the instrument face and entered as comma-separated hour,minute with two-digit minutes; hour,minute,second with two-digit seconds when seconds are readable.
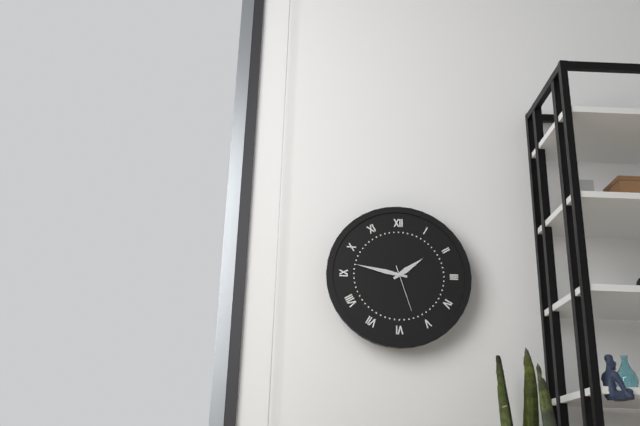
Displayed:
1,47
